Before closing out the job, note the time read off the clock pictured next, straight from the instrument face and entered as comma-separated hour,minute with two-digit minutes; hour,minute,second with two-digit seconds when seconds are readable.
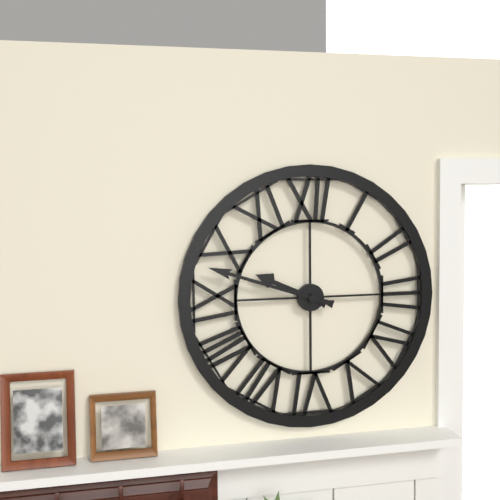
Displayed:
9,48
